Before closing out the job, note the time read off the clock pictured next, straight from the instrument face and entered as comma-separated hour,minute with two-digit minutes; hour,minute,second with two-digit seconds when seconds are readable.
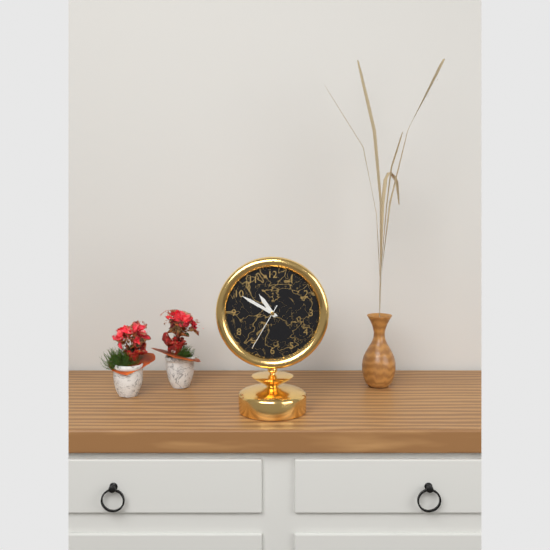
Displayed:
10,50,35
